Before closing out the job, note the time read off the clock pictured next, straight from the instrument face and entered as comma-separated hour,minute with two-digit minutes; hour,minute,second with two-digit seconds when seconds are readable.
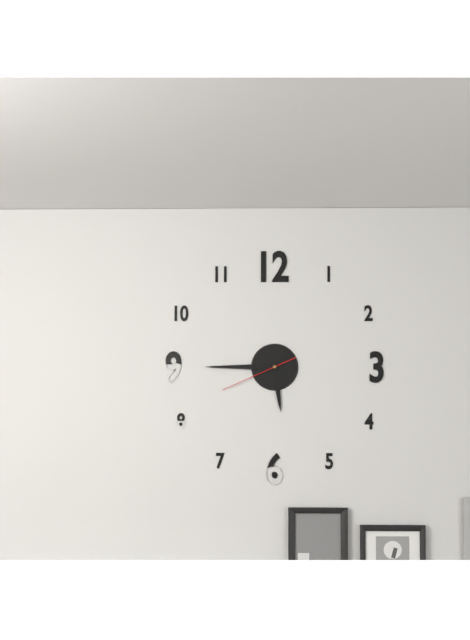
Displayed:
5,45,41
